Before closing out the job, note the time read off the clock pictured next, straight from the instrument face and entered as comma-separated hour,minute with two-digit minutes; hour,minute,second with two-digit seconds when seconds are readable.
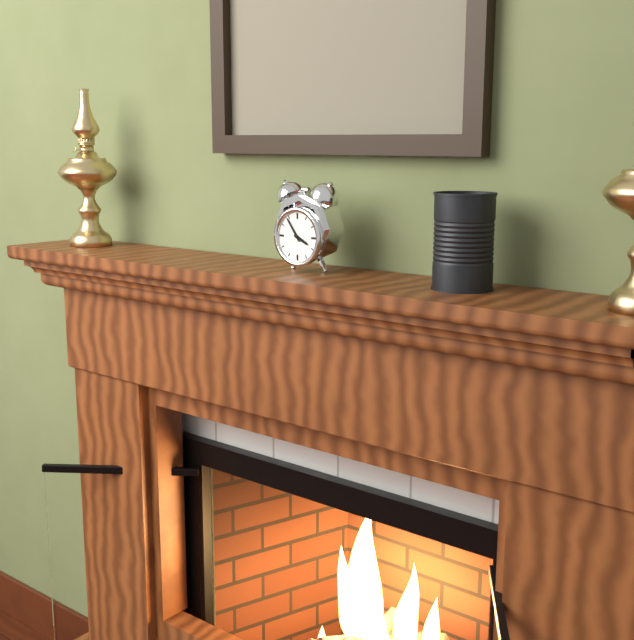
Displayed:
3,54
